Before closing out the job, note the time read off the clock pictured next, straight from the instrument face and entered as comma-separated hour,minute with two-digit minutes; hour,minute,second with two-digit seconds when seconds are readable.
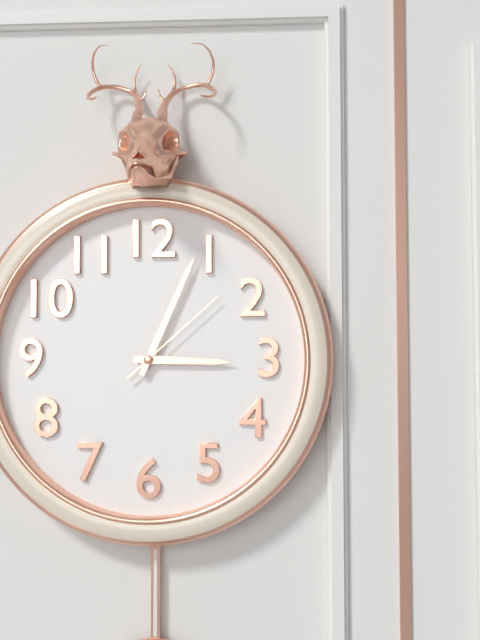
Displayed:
3,04,08
